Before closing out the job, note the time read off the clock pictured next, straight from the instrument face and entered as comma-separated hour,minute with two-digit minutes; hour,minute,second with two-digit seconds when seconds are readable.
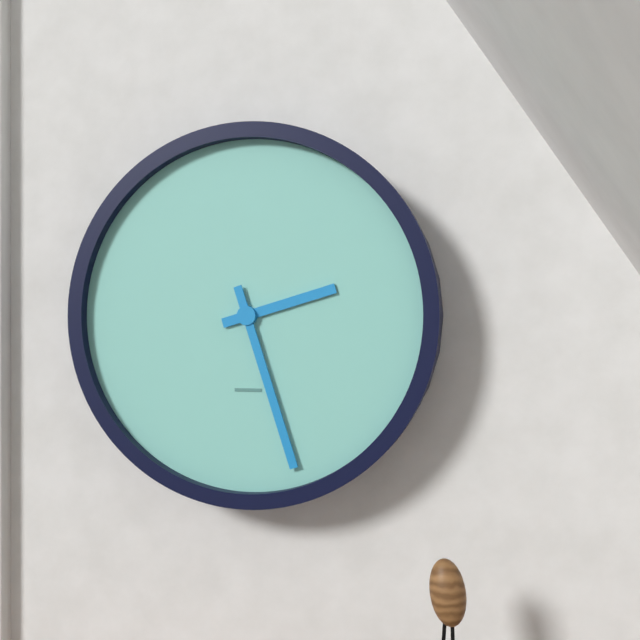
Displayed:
2,27
